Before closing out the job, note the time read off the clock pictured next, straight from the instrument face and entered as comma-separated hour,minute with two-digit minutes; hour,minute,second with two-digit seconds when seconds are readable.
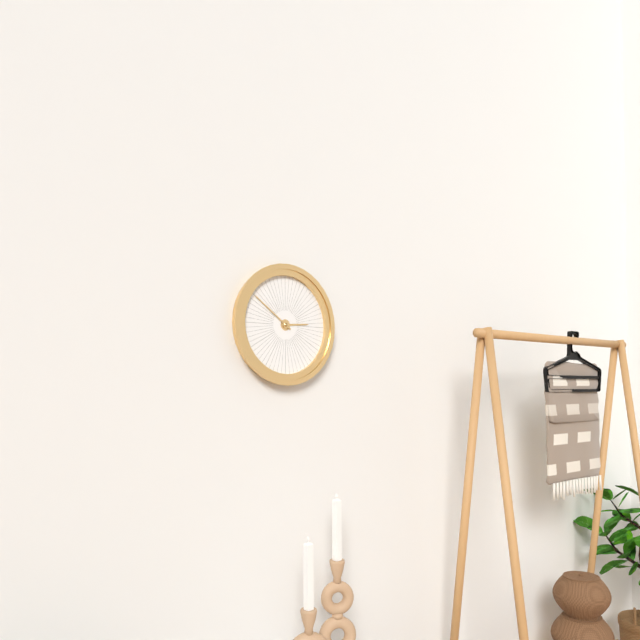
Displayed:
2,51
